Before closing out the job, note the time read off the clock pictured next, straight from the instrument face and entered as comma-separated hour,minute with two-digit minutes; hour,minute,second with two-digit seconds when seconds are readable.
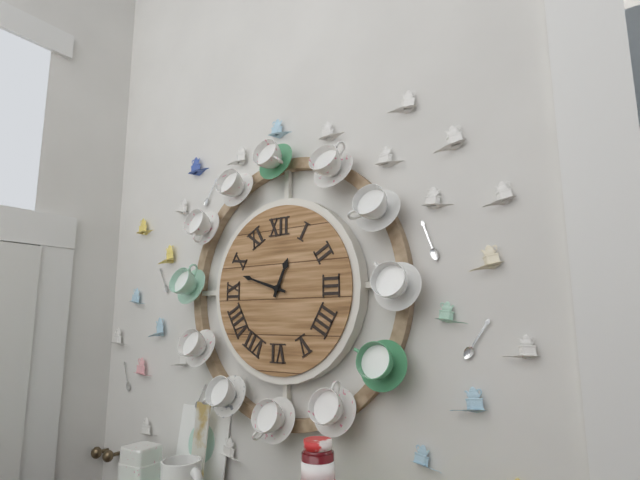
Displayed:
12,48
